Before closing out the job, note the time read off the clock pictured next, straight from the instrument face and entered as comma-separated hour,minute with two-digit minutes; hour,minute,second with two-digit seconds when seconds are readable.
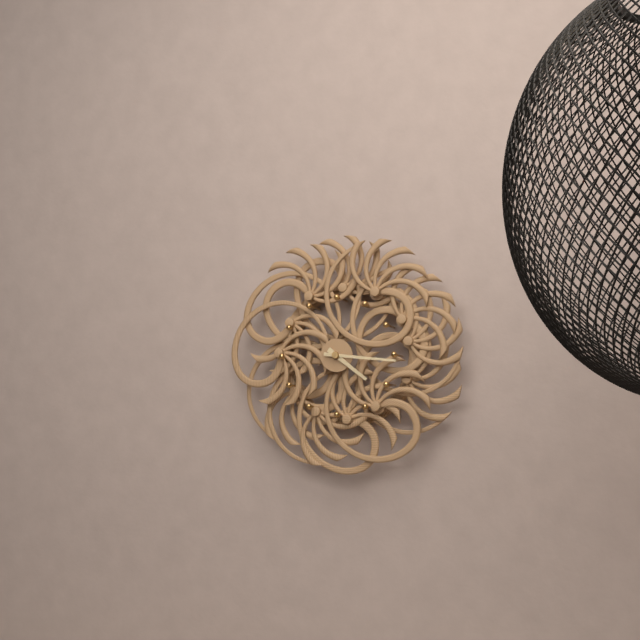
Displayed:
4,16
